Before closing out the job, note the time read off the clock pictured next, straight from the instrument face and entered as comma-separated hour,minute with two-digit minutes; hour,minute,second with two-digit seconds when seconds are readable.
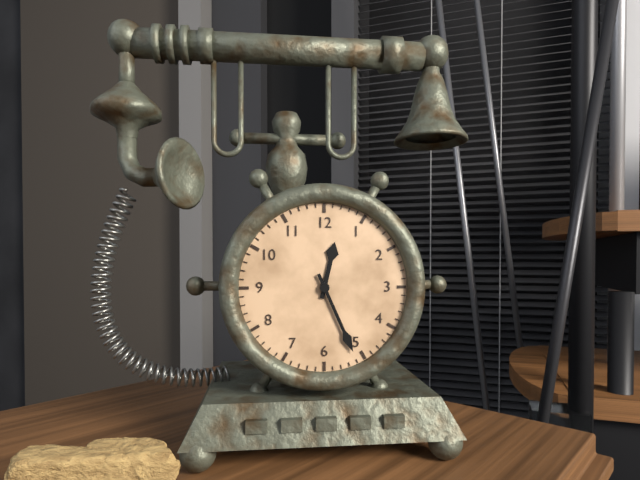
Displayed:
12,26
